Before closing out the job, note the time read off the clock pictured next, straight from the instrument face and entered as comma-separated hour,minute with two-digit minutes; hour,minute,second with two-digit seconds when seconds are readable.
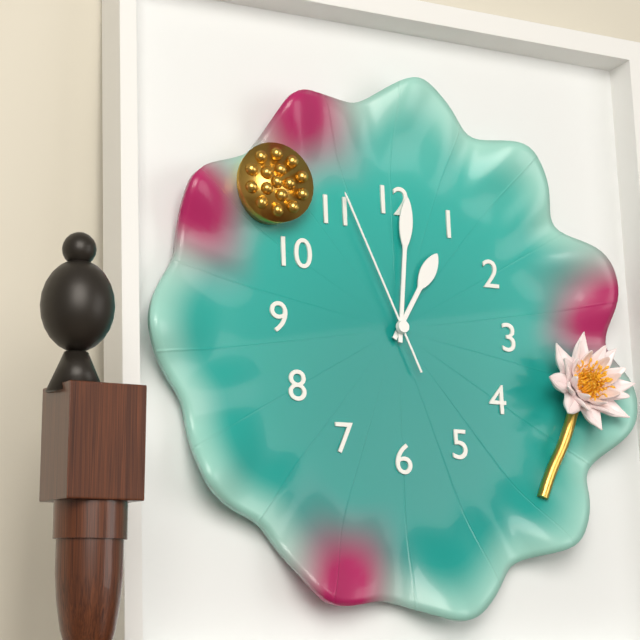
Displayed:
1,01,56
